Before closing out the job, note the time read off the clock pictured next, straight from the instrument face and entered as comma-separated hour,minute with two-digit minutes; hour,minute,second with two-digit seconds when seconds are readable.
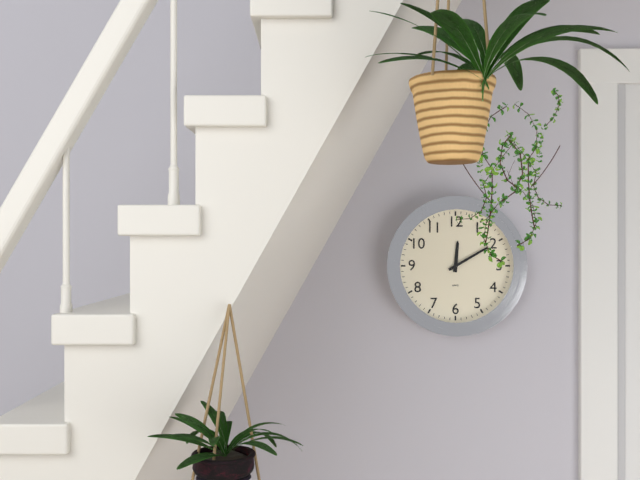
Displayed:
12,10
